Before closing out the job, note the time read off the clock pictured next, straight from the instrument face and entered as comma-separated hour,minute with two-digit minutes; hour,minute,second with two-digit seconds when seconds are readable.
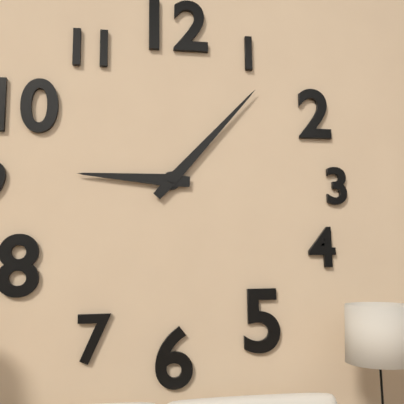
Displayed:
9,07
